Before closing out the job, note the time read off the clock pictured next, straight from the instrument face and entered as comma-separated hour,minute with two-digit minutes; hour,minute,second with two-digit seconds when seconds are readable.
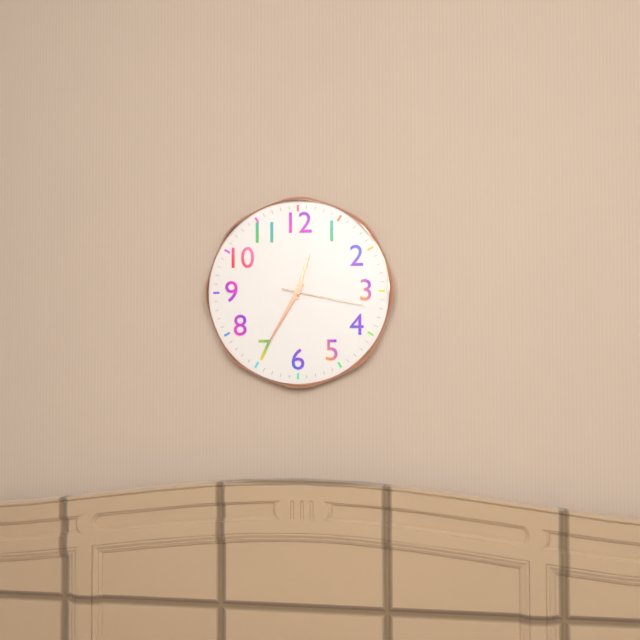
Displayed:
12,35,17
